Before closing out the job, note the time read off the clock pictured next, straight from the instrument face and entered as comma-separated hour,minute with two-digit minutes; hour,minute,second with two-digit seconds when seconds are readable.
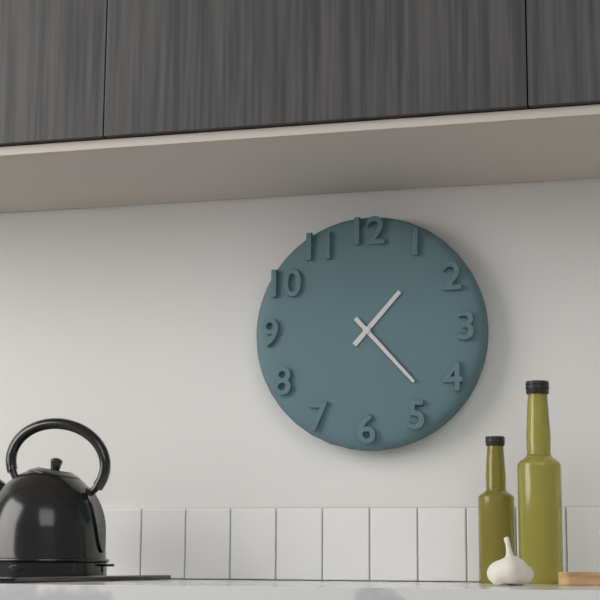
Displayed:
1,23
